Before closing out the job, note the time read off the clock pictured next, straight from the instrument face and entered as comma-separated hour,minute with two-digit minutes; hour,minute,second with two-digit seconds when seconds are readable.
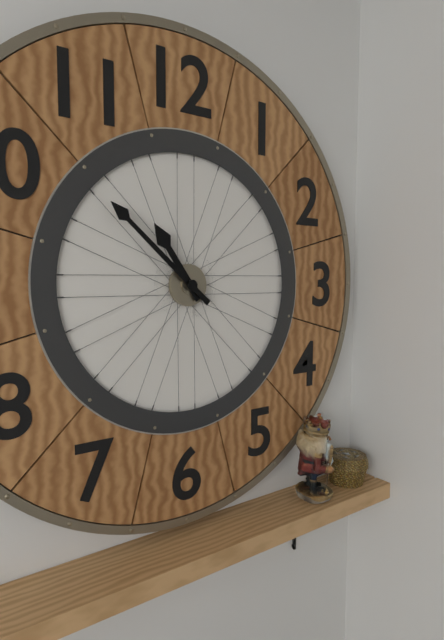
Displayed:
10,52
